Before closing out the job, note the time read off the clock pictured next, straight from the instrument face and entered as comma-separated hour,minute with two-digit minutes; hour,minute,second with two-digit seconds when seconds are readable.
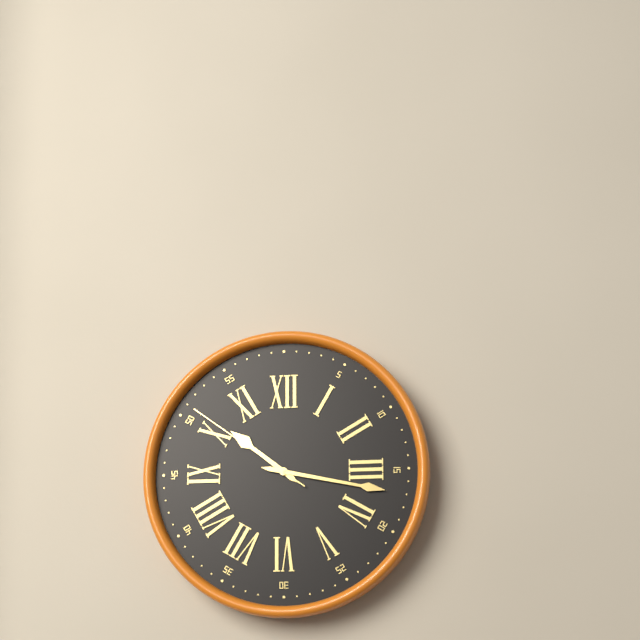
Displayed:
10,17,51
